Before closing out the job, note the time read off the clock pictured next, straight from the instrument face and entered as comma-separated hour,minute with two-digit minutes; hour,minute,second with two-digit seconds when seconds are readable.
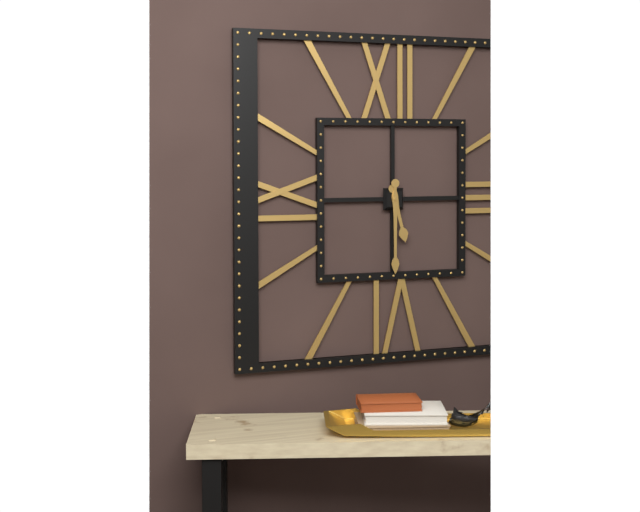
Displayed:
5,30
